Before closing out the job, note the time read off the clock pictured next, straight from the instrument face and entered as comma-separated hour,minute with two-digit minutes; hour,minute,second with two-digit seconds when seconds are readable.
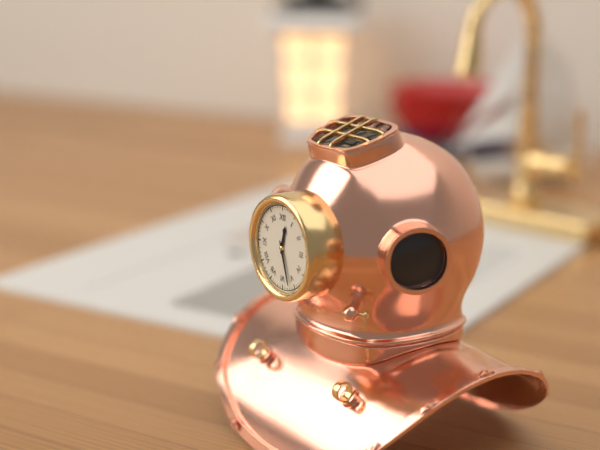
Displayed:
12,27
